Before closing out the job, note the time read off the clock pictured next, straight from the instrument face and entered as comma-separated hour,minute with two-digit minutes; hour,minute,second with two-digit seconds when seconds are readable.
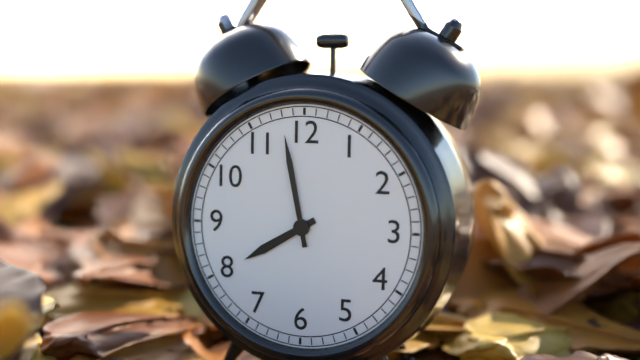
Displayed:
7,58
